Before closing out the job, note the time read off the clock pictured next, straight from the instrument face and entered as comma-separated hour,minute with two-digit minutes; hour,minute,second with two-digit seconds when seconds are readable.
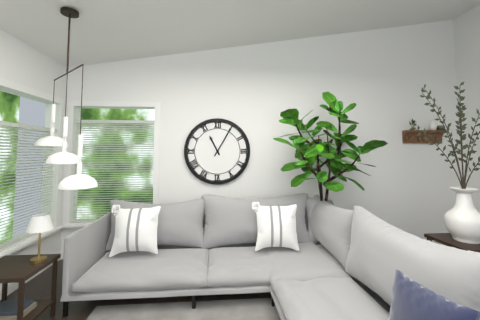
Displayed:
11,05
